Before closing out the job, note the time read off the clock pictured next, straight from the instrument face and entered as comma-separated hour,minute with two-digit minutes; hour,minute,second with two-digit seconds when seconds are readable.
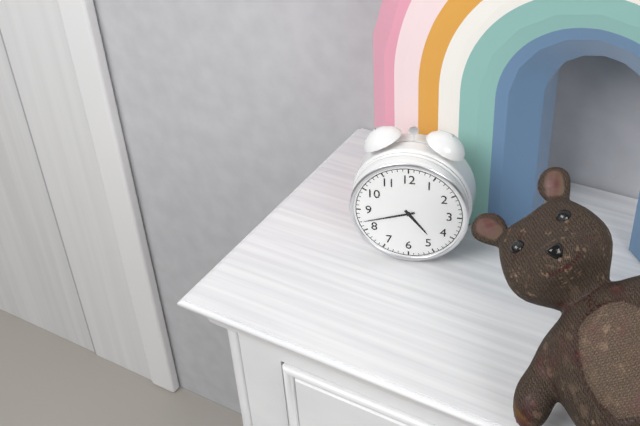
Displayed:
4,42
